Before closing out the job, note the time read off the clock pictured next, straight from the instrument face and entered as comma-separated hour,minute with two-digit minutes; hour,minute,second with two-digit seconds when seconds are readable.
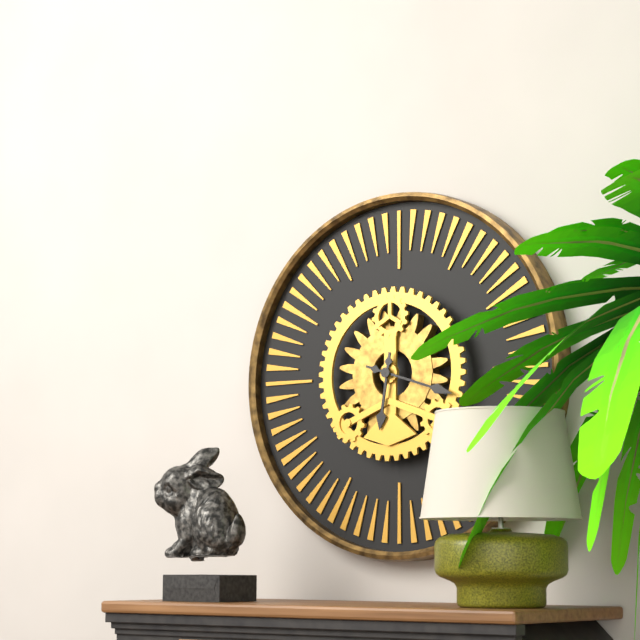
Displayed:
6,18
